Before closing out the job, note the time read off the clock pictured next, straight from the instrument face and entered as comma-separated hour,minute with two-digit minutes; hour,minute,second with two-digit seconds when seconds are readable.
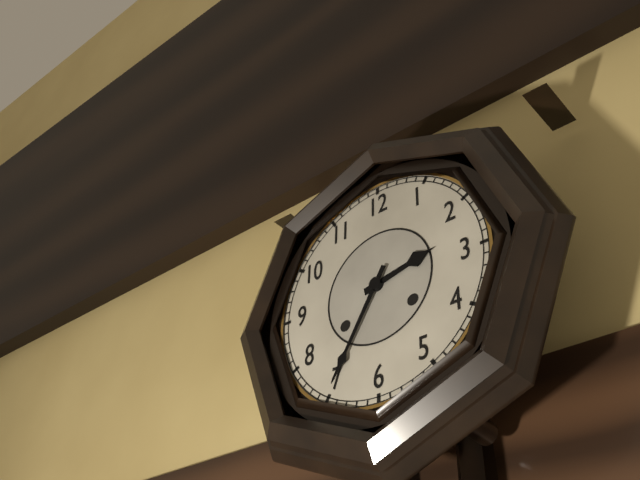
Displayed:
2,35
